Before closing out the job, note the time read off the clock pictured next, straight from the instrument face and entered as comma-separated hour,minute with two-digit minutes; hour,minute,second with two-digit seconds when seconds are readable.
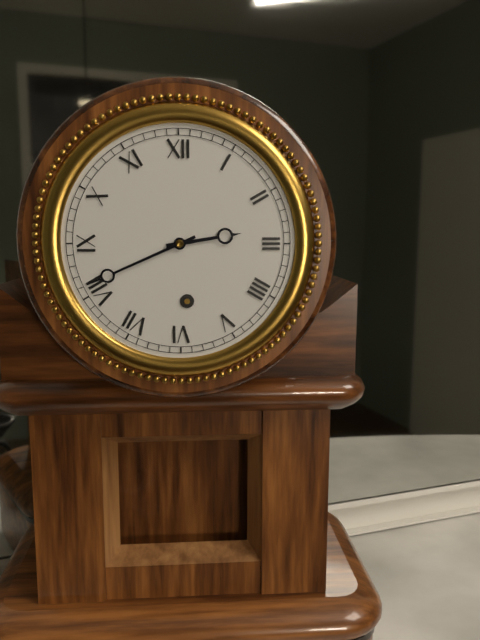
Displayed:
2,41
